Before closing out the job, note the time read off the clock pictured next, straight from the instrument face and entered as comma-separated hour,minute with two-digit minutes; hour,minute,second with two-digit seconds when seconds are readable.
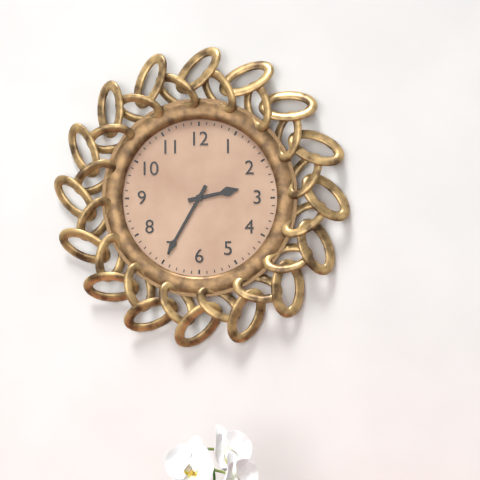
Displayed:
2,35
